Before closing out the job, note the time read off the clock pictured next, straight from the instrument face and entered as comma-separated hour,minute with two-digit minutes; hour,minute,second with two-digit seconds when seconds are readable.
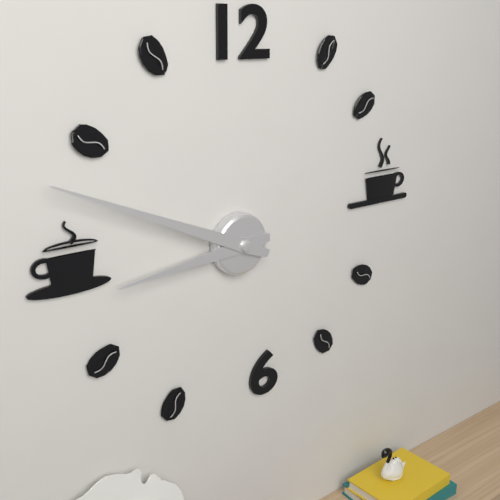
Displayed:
8,49
